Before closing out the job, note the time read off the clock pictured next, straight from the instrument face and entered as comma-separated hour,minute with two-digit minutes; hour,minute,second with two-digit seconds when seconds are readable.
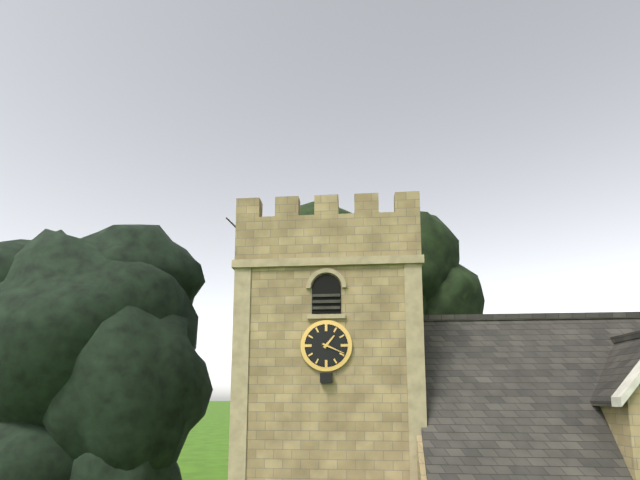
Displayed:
1,19
